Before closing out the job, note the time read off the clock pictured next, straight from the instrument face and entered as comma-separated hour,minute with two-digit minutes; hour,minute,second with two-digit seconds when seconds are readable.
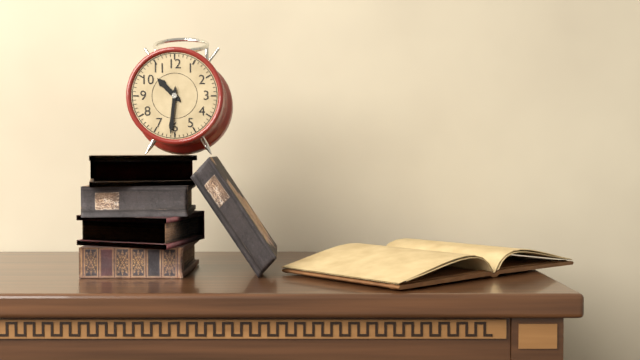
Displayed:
10,31
